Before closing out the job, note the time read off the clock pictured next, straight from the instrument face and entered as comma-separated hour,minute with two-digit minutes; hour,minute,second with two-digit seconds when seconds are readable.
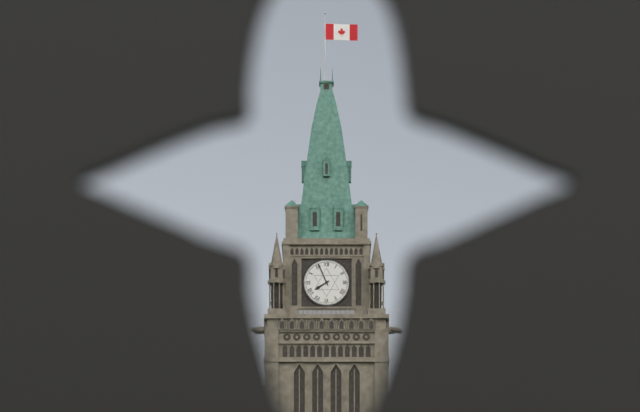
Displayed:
7,56
